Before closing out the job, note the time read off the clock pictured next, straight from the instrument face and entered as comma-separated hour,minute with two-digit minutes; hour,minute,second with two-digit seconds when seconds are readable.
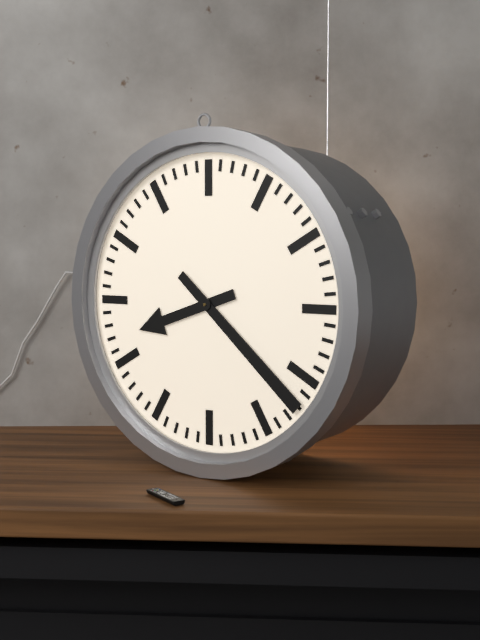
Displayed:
8,22
